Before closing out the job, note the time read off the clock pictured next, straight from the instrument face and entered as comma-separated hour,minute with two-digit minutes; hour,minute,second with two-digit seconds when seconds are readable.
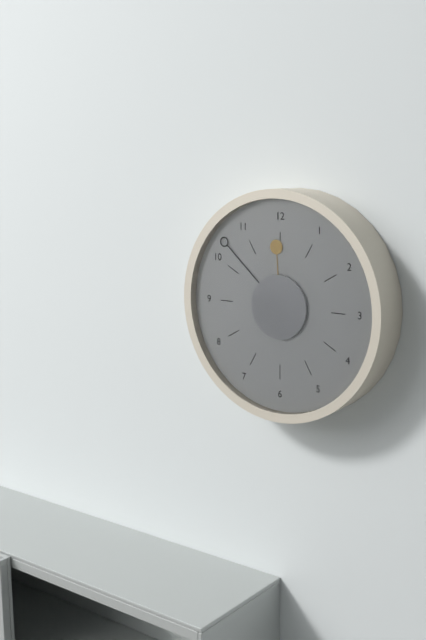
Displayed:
11,52
